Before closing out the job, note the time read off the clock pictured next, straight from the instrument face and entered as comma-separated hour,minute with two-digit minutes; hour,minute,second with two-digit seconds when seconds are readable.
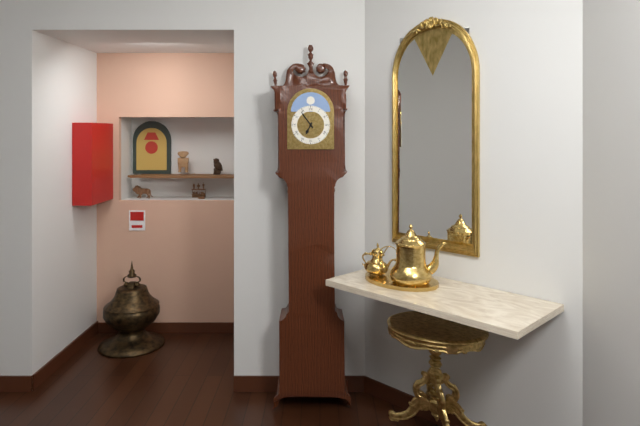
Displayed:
6,54
